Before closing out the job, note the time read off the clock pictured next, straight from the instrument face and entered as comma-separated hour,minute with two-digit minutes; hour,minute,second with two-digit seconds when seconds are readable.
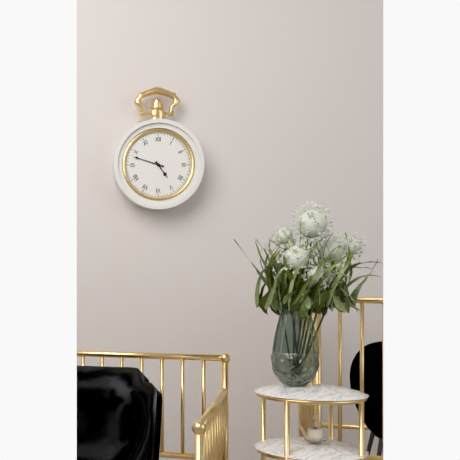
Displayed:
4,48
